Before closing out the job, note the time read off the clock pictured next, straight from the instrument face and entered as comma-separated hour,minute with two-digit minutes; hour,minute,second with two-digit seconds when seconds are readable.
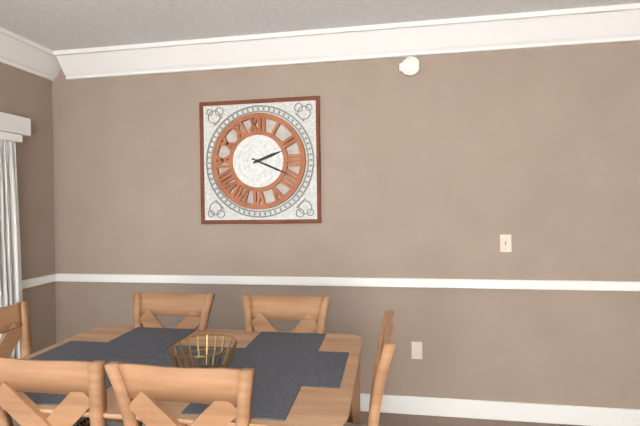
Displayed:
2,19
